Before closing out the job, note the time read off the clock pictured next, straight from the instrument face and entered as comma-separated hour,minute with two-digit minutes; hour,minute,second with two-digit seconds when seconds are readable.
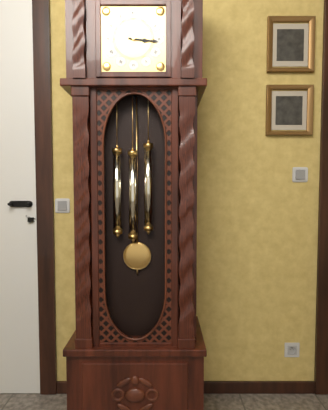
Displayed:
3,16
